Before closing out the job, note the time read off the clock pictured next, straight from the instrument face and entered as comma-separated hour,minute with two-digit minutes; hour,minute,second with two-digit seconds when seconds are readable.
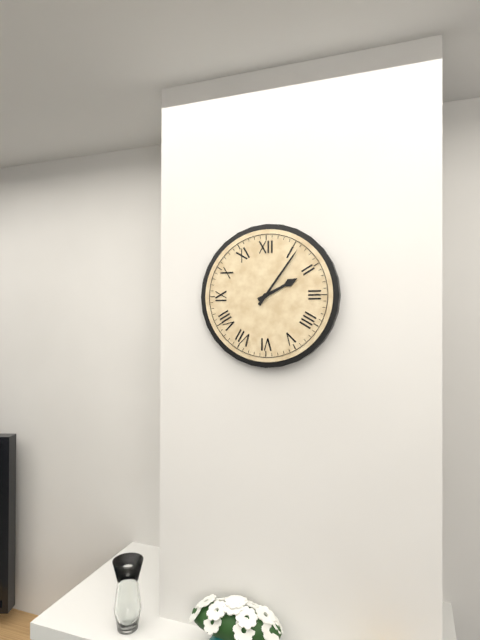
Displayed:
2,06
